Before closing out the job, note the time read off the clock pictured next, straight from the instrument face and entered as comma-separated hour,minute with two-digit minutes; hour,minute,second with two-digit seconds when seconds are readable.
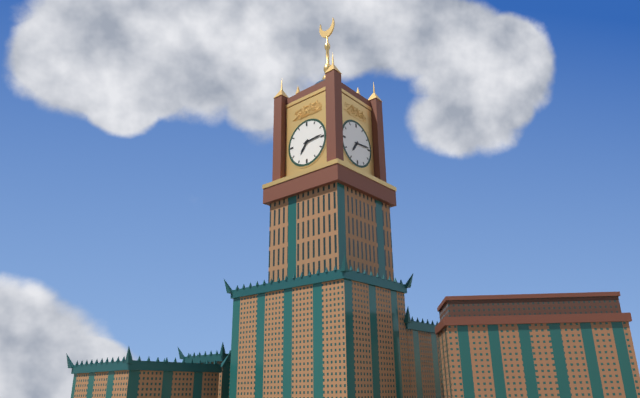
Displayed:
7,14
